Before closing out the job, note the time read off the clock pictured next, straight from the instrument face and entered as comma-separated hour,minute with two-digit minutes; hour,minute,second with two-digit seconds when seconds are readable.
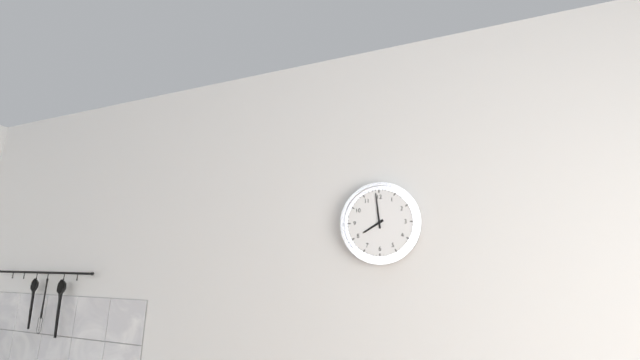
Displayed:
7,59
